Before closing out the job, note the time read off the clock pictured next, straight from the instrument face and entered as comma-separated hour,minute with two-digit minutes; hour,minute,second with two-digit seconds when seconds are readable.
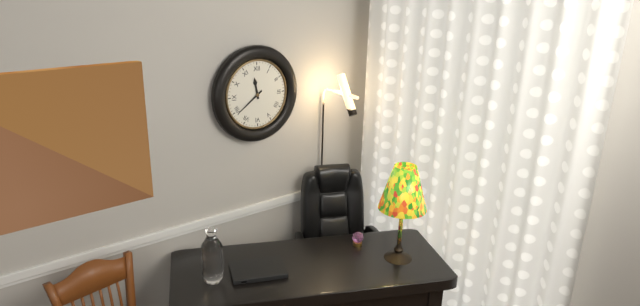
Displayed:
11,39
